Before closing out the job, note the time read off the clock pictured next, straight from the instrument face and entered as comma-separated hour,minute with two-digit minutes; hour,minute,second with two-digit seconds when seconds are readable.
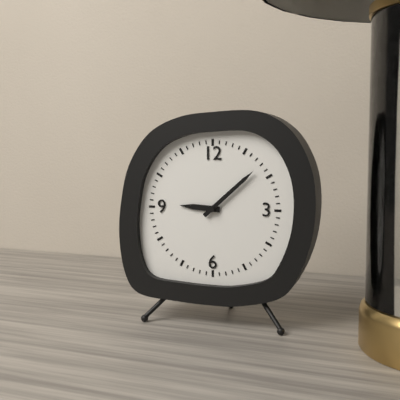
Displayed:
9,08
